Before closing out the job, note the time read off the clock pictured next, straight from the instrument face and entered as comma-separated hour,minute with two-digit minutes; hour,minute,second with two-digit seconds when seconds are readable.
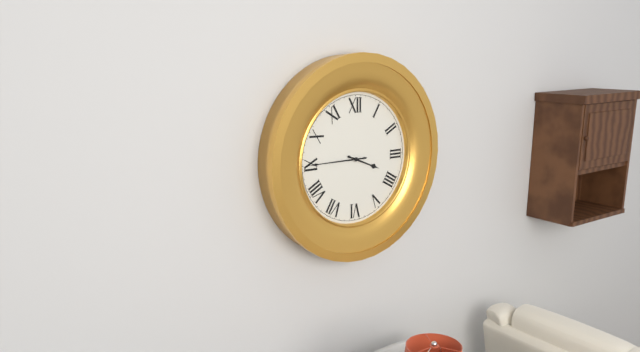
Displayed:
3,45
